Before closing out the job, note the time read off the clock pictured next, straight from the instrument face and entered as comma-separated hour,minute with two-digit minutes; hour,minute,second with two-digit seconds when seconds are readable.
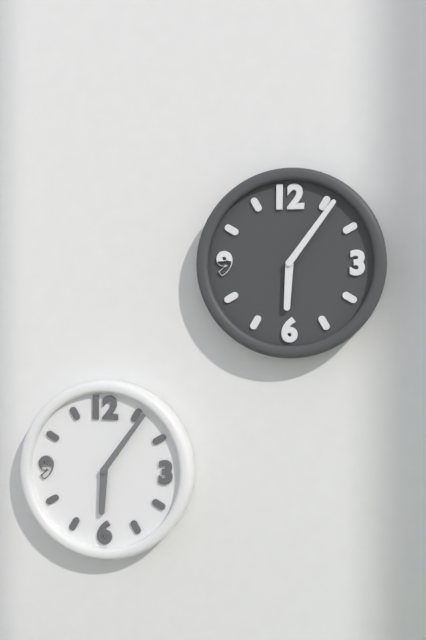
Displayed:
6,06
